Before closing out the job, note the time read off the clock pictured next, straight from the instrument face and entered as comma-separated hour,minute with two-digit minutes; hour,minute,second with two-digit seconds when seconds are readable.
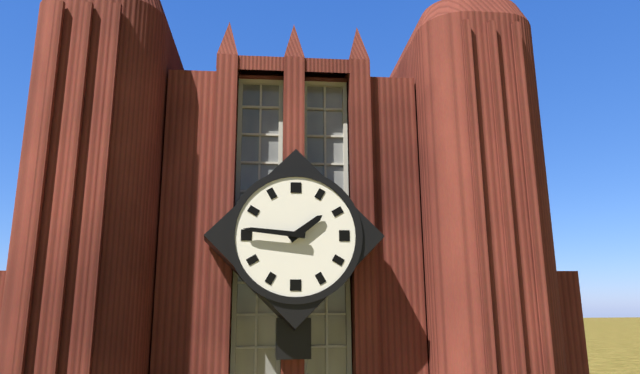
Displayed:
1,46
